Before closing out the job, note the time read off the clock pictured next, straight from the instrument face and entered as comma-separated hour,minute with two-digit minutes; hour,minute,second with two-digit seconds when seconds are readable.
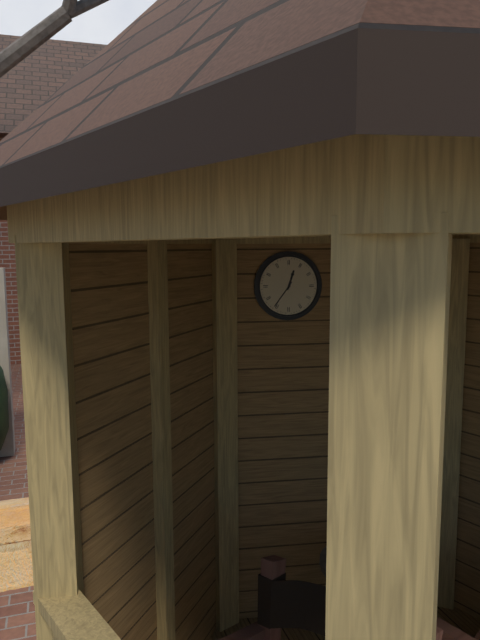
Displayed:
12,36
